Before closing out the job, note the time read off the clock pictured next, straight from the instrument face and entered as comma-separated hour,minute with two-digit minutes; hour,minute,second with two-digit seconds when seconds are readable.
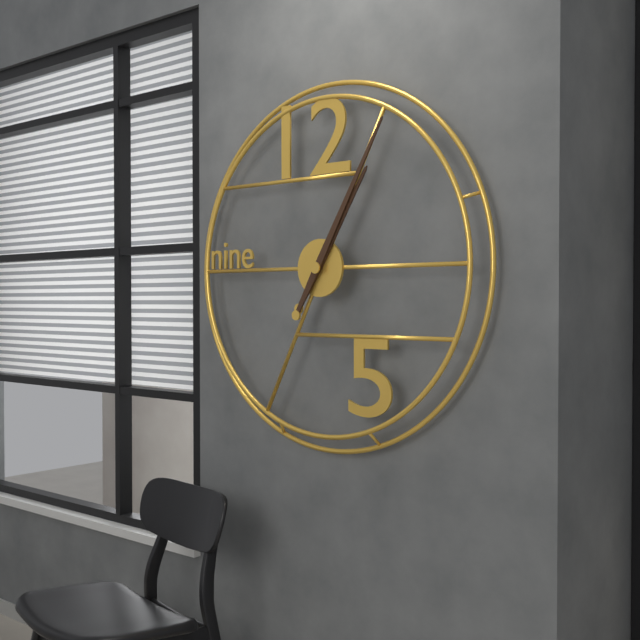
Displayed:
1,05
